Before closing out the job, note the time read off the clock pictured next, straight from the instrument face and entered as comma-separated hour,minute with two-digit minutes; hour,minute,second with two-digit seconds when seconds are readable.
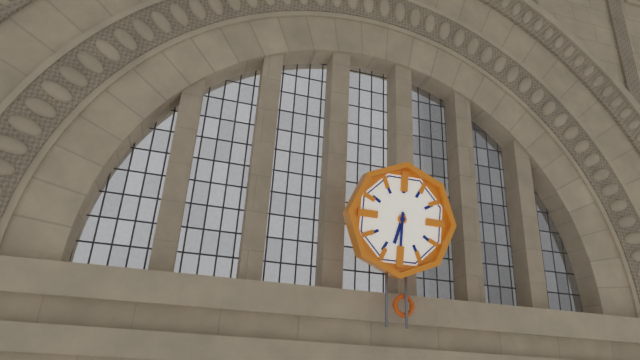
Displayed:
6,30
